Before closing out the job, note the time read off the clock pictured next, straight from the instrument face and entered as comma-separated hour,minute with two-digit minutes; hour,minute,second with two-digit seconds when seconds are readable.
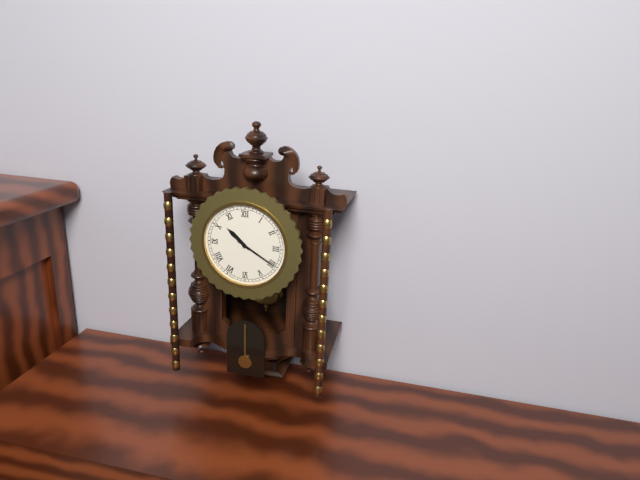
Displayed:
10,20
